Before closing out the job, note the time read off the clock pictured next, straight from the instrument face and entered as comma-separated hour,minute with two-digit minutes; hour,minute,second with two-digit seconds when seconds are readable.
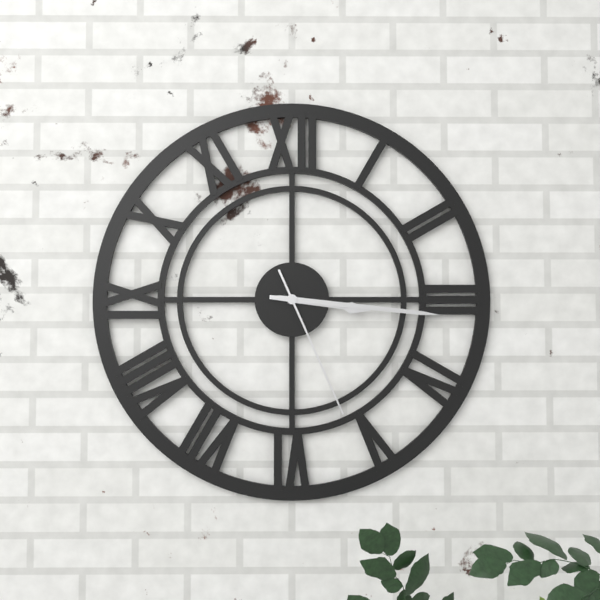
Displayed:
3,16,26
